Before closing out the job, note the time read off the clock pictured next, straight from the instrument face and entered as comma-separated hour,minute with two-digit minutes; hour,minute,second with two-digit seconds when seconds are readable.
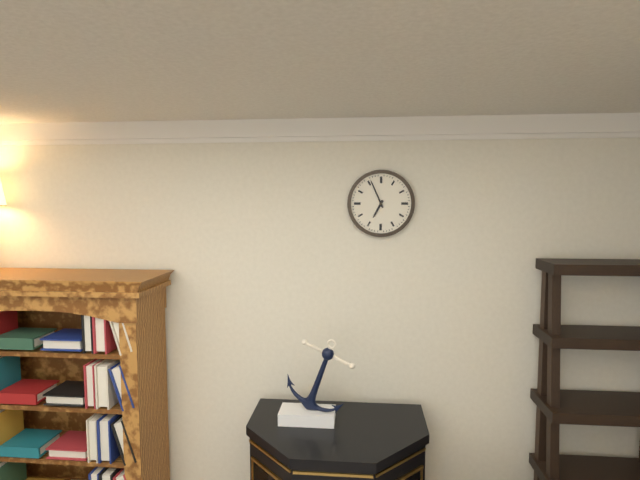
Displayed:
6,56
